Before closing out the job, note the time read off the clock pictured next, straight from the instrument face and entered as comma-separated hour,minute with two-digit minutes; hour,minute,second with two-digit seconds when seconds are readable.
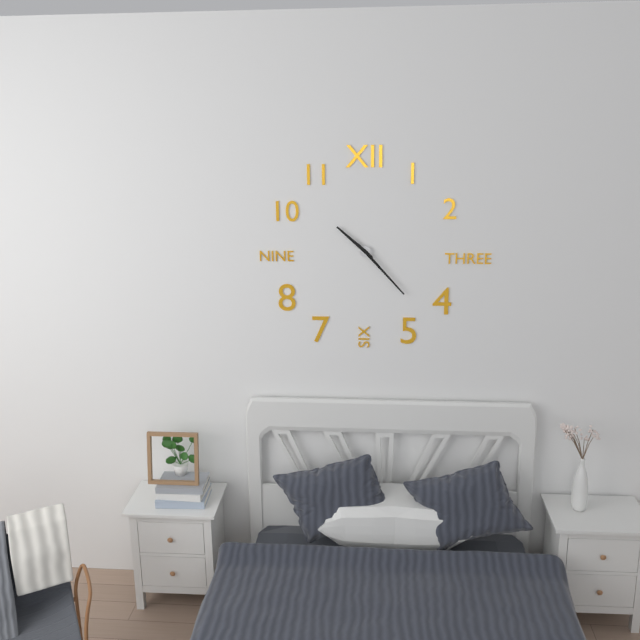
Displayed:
10,23
